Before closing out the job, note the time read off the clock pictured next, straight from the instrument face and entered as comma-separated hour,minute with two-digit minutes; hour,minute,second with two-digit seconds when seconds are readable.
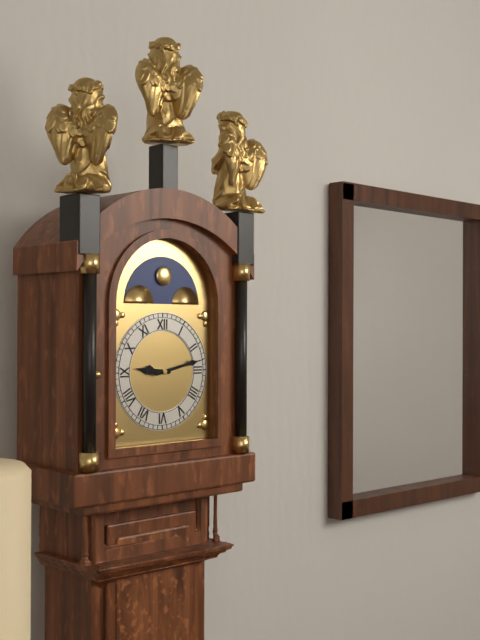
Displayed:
9,13
